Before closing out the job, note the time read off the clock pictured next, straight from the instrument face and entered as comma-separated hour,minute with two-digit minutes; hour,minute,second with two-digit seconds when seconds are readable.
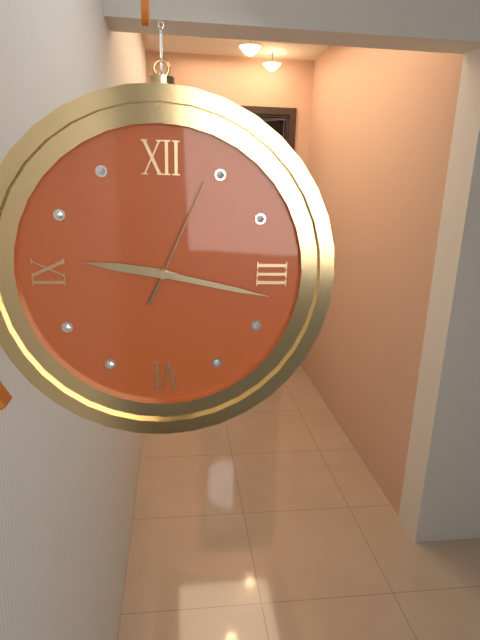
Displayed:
9,17,04
